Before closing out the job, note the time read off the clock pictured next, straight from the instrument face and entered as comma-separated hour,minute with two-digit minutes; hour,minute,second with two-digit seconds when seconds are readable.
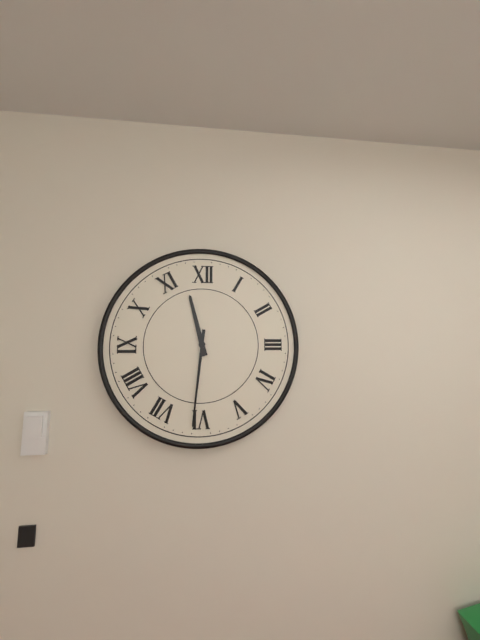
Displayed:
11,31
